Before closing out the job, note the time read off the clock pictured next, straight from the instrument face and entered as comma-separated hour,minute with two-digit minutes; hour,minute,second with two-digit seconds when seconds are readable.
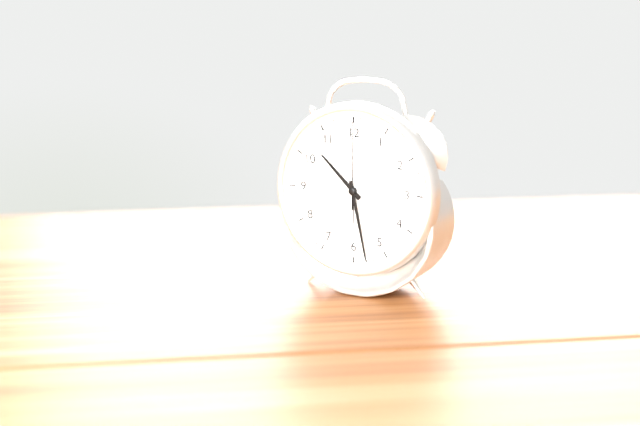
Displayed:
10,28,00
